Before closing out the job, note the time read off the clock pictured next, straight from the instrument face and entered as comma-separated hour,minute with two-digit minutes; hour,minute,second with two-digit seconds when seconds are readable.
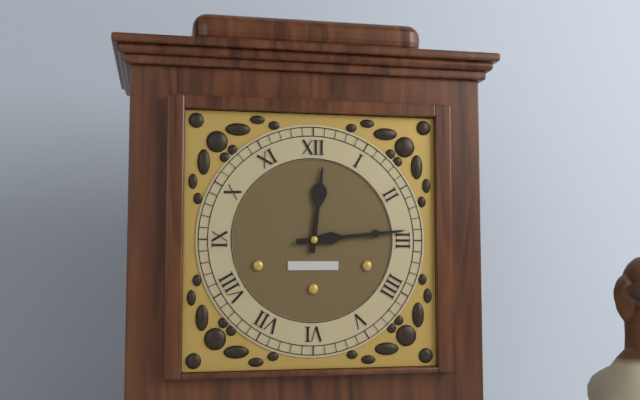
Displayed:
12,14
